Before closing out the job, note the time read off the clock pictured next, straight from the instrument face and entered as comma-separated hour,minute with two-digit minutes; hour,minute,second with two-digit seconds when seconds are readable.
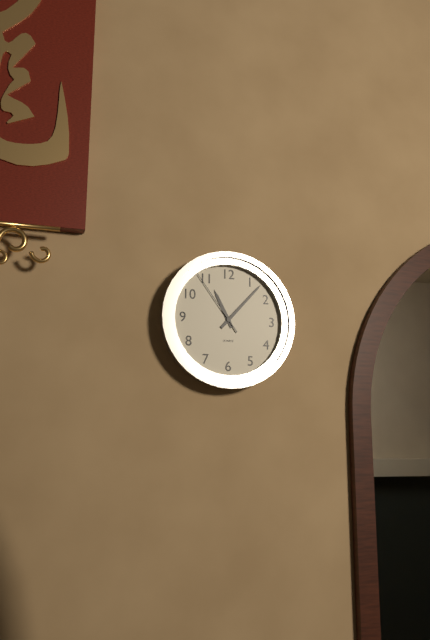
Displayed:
11,07,54
